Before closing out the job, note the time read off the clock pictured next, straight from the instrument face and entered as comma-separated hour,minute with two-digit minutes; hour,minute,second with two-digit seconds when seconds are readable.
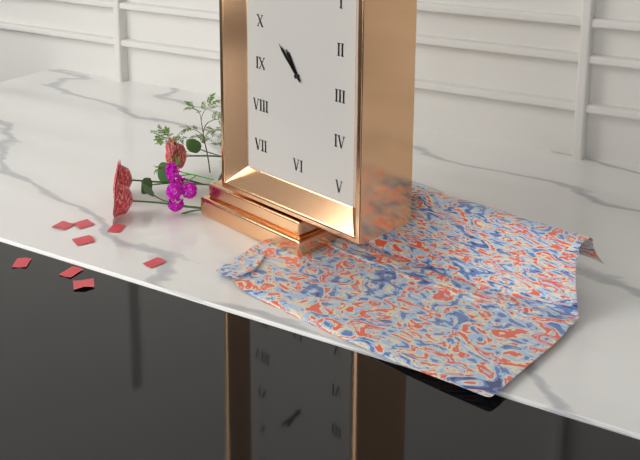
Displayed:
10,53
